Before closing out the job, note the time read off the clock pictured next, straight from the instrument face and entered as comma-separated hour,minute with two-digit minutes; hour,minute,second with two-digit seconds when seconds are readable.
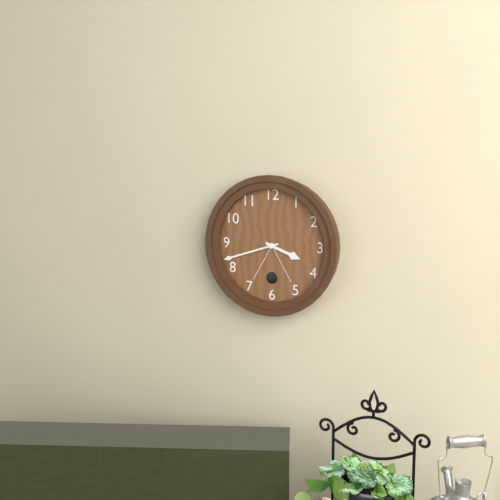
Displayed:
3,42
